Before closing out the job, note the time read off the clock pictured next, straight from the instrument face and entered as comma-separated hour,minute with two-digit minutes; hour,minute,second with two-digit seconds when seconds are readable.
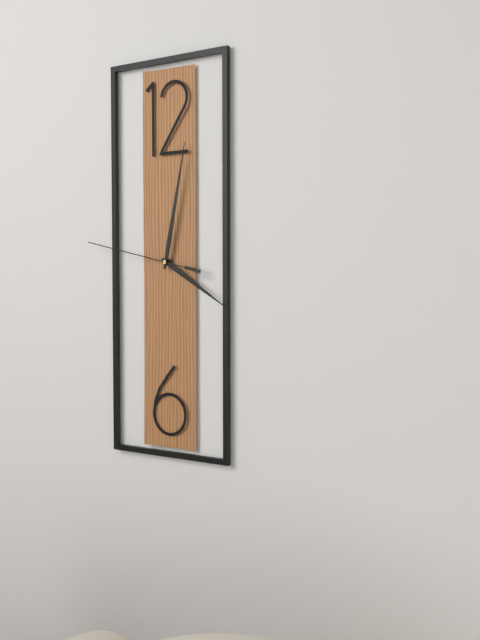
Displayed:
4,02,47
